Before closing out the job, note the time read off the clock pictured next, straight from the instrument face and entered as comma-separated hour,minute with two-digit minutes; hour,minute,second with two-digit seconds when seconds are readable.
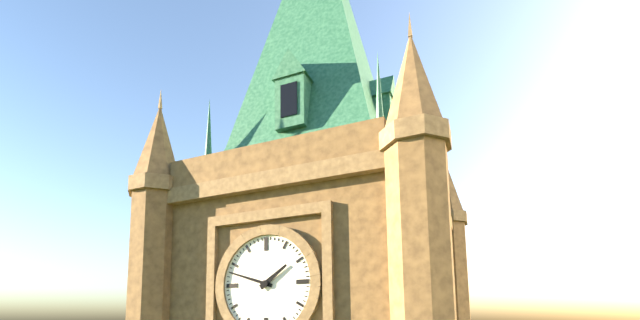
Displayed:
1,48
